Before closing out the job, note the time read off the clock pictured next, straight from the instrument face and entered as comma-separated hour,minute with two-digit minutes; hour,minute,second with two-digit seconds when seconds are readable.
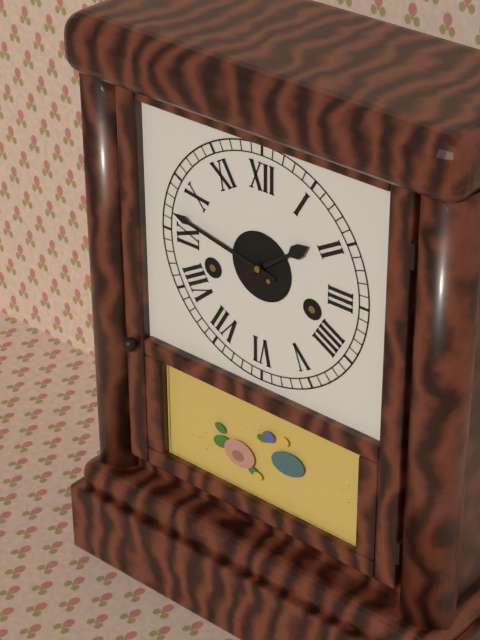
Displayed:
1,47
